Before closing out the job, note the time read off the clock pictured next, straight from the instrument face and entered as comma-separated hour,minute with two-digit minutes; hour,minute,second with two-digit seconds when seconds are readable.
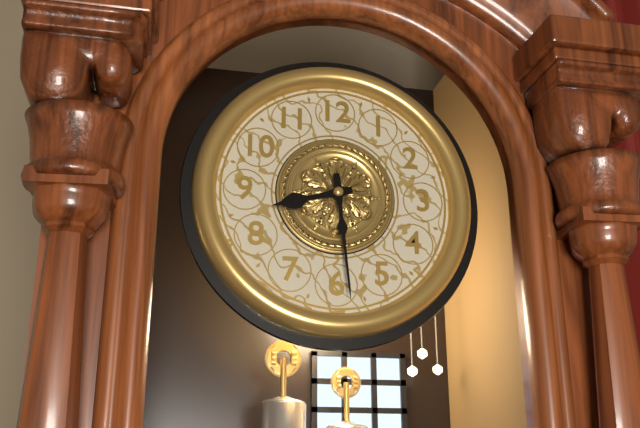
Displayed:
8,29
